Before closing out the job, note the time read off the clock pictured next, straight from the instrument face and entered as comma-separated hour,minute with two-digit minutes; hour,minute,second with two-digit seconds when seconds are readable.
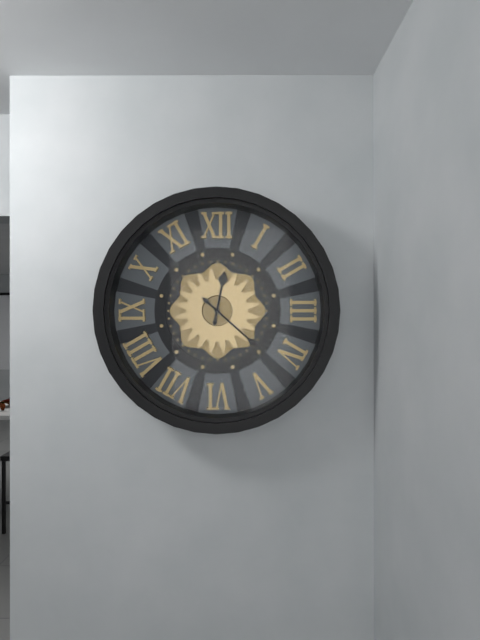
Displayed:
12,22
